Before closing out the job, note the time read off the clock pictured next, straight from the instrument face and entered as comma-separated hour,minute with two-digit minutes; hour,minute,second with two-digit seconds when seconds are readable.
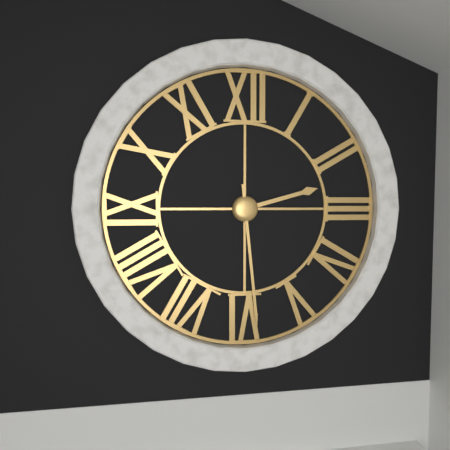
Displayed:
2,29
